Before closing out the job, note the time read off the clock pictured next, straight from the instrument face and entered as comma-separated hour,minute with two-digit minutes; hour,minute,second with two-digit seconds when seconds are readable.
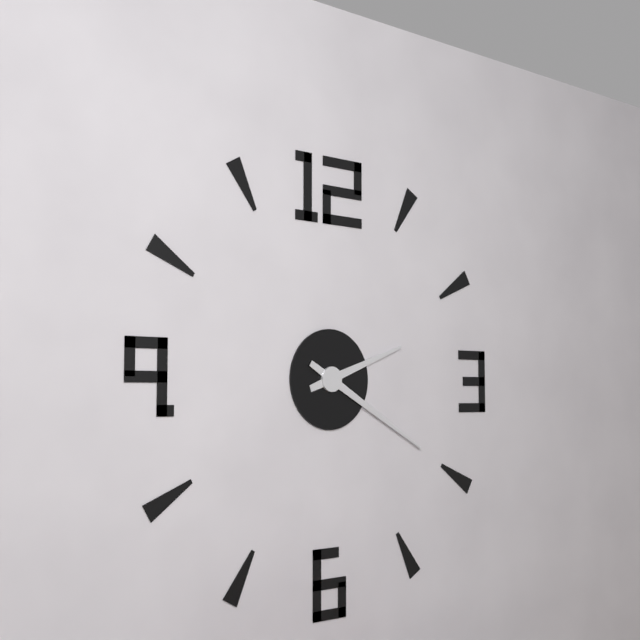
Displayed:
2,20
